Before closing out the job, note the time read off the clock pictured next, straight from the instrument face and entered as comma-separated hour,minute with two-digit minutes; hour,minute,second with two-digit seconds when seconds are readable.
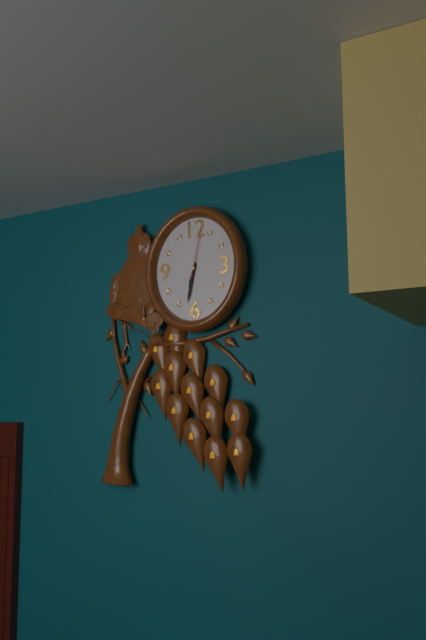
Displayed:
6,32,02
